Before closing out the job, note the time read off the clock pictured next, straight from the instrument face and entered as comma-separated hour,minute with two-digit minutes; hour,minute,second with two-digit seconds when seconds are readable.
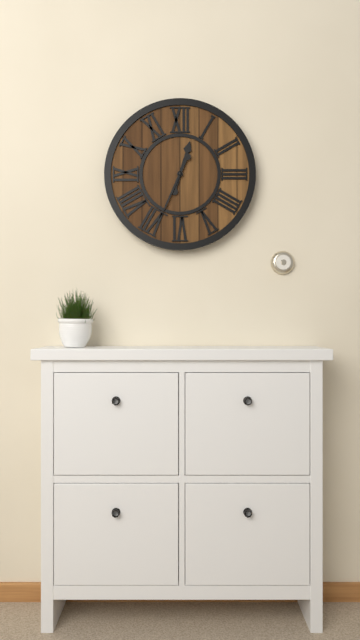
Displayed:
12,34
